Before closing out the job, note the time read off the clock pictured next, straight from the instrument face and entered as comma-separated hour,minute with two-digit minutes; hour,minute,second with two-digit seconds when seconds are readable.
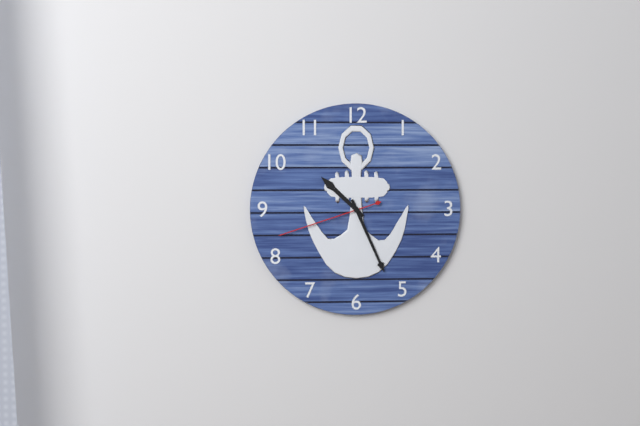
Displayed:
10,26,42
